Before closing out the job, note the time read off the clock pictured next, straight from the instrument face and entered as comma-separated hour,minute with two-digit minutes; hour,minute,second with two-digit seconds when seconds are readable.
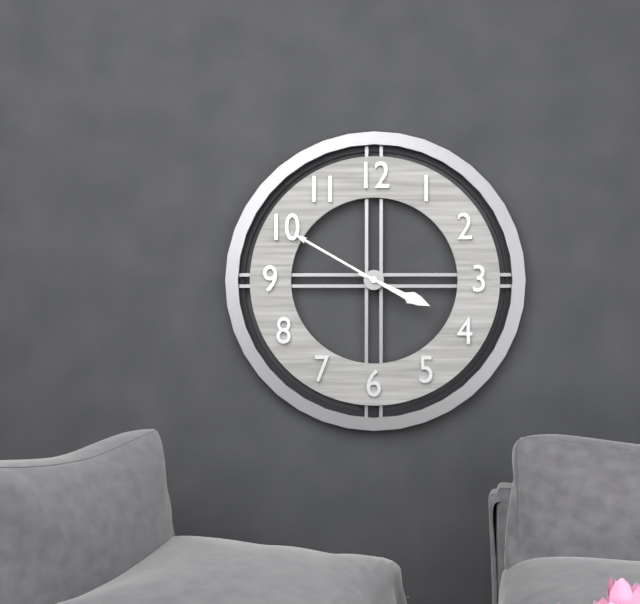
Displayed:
3,50
